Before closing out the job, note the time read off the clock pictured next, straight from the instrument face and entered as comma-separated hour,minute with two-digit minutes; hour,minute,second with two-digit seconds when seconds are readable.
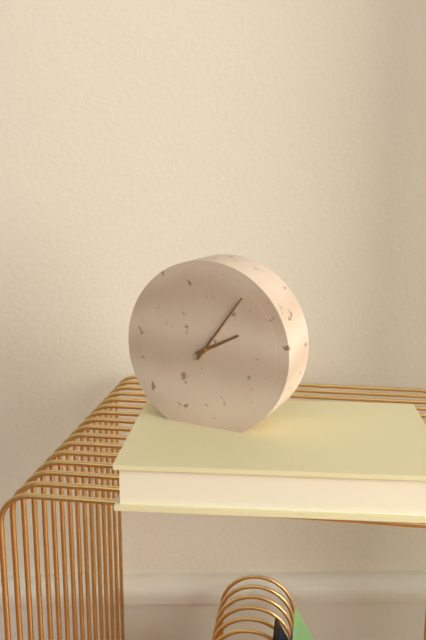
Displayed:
2,06
